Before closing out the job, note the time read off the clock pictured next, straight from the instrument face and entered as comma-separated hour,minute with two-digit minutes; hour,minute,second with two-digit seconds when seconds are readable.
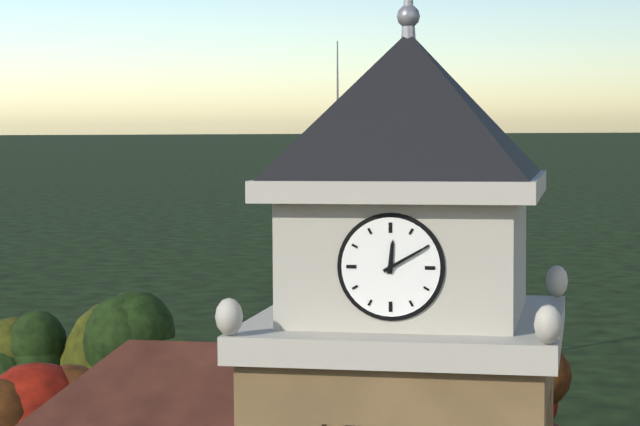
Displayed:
12,10
